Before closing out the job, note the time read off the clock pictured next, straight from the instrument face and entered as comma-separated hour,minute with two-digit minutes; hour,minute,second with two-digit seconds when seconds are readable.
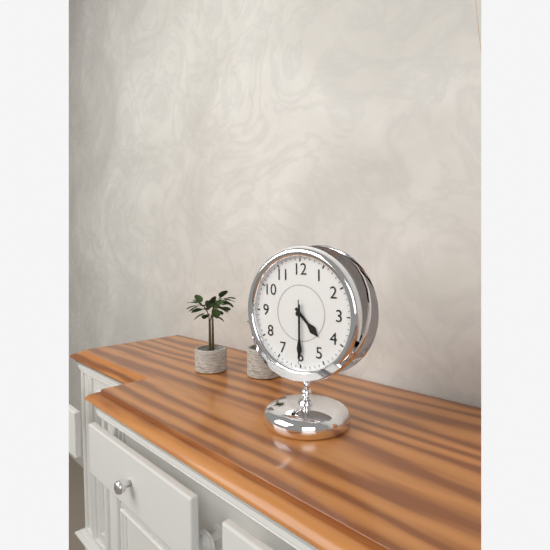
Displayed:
4,30,30
